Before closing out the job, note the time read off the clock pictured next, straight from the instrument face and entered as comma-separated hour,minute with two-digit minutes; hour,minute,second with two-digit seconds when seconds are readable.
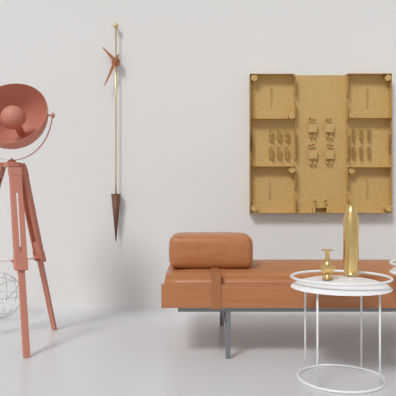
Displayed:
10,34
